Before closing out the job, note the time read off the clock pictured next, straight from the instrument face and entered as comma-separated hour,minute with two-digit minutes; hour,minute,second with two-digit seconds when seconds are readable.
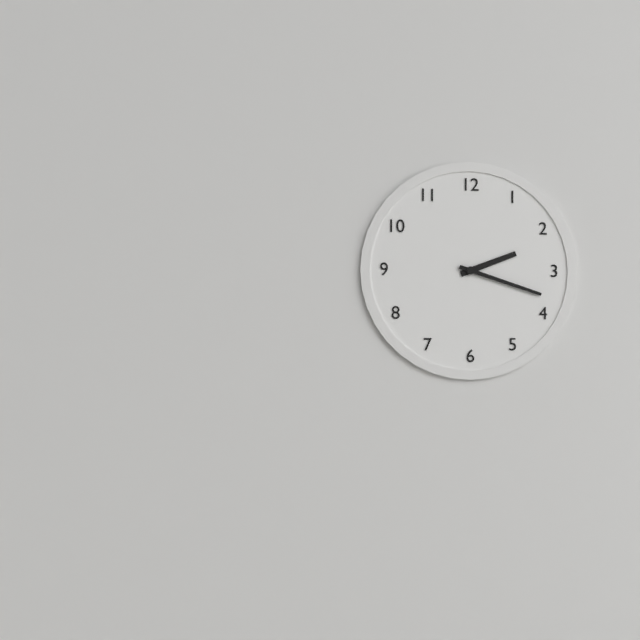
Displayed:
2,18
